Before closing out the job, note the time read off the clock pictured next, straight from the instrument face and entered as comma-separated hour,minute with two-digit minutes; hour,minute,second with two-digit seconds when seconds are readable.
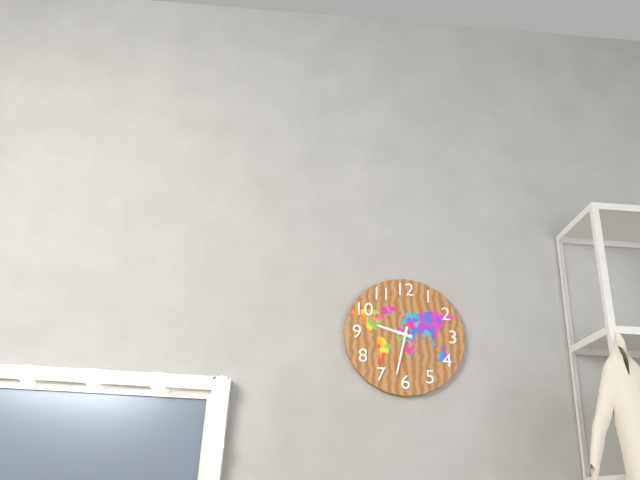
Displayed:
9,32
